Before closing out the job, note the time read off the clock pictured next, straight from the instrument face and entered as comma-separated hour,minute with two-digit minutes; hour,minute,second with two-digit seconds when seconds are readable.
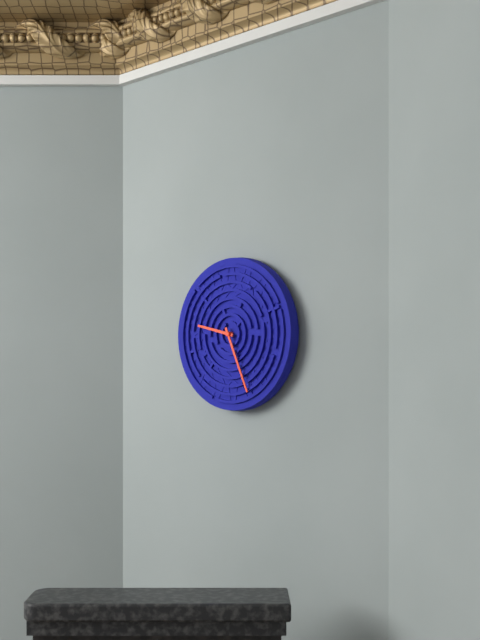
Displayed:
9,26
